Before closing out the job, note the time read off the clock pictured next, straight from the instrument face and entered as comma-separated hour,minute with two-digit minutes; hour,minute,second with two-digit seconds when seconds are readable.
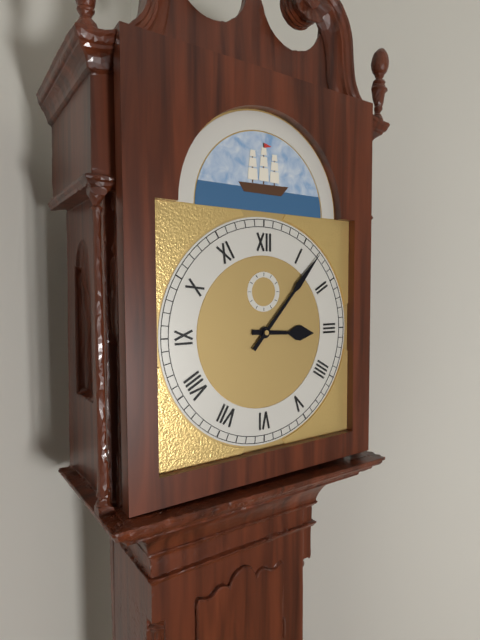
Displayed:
3,07
